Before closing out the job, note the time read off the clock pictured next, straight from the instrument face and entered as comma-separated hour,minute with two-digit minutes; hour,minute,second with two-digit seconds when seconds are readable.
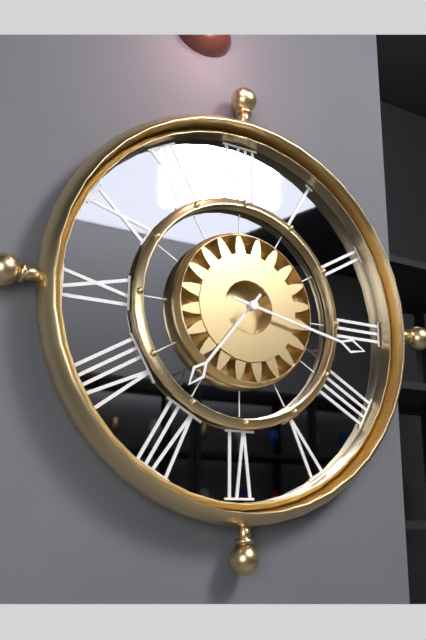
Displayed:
7,17
